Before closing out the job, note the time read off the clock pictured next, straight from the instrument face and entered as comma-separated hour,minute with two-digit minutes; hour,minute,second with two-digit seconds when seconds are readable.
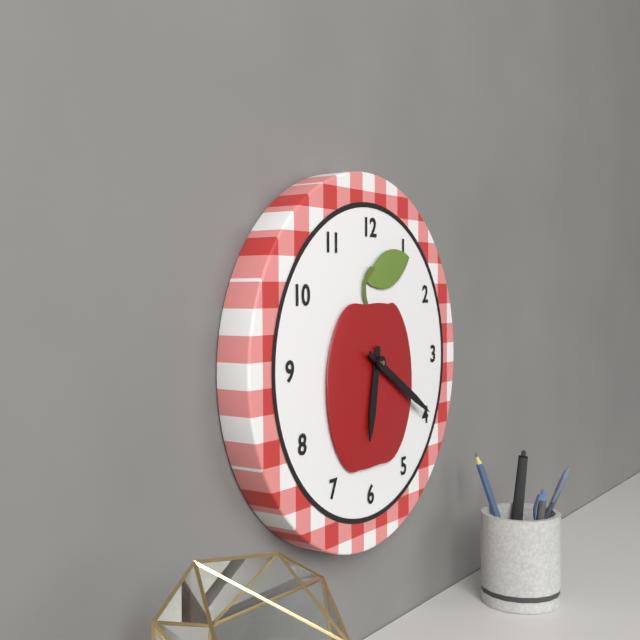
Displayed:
6,20
